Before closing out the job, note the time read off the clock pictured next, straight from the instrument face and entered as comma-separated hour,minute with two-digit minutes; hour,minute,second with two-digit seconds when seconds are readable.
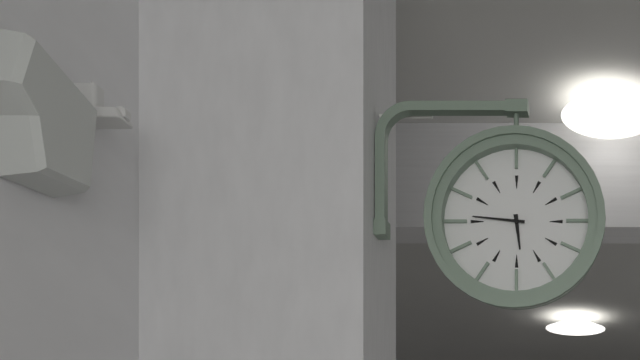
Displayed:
5,46
